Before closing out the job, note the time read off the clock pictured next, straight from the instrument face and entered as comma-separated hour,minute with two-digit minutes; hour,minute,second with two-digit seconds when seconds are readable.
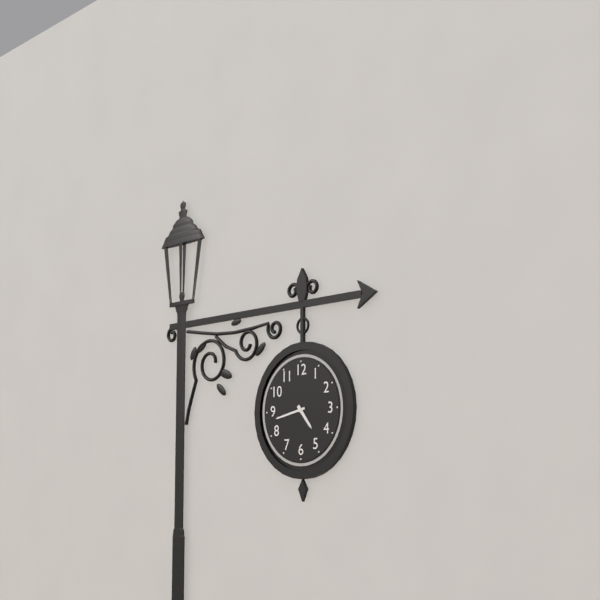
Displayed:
4,43
